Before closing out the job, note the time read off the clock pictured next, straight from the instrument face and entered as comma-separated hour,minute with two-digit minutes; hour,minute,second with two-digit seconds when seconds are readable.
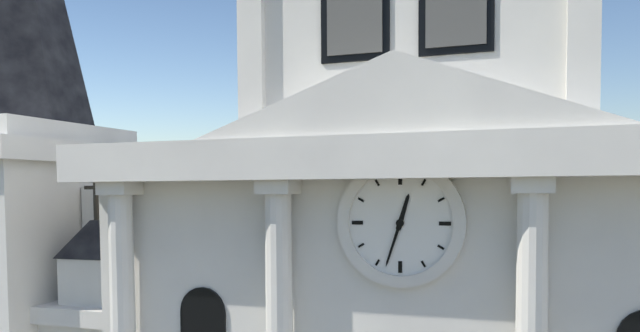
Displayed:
12,33
